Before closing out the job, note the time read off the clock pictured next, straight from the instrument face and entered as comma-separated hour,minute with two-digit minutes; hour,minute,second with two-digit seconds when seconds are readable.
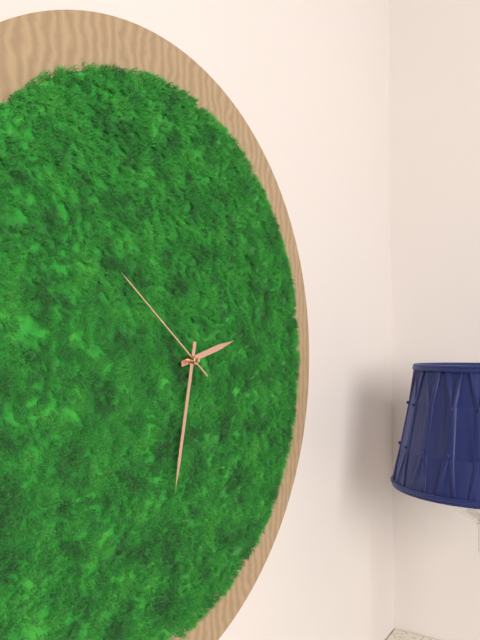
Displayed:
2,32,51
